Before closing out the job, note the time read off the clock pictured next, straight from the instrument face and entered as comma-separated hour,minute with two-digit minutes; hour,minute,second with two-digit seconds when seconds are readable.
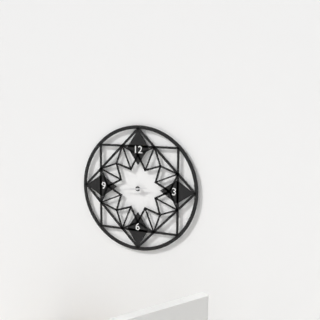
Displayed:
2,44
